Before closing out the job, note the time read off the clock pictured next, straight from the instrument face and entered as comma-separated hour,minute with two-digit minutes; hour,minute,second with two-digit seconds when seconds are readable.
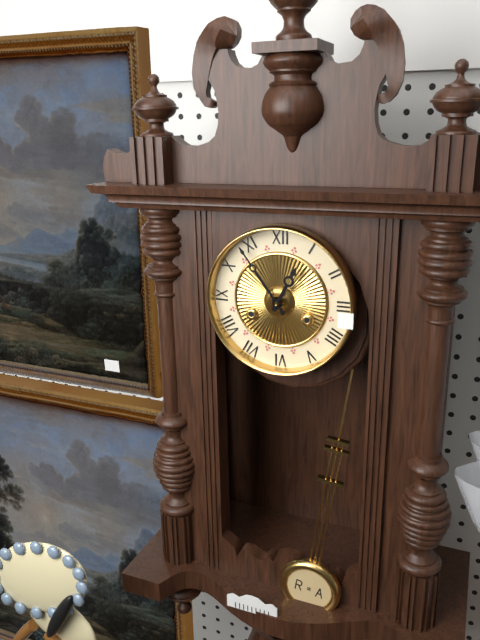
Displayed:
12,54
